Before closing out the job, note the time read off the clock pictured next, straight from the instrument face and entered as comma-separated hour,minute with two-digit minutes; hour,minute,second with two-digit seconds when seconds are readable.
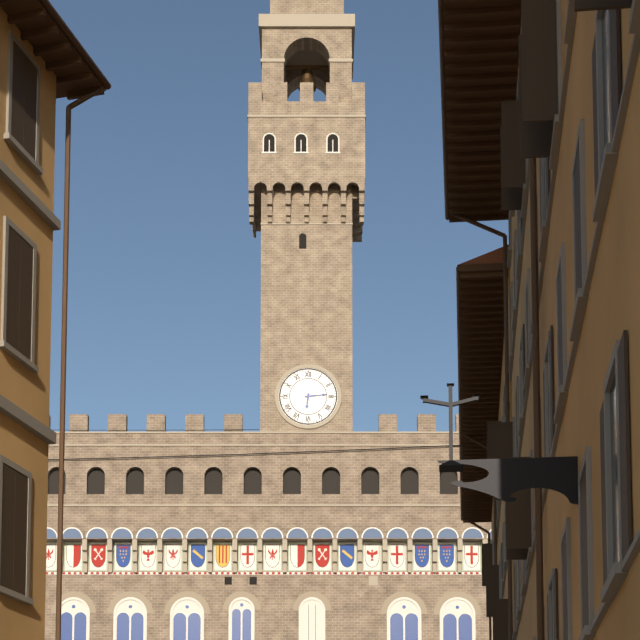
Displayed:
6,14
